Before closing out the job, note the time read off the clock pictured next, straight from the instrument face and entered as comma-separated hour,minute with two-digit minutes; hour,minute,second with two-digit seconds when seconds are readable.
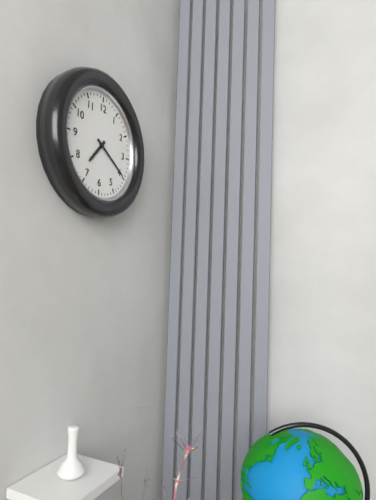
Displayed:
7,20
